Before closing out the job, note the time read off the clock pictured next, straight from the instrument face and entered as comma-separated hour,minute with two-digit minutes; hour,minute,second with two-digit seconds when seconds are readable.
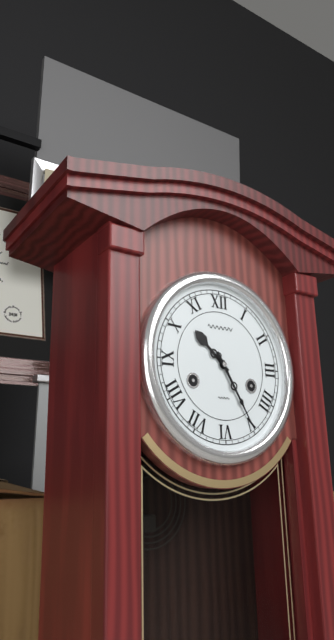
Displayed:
10,25
